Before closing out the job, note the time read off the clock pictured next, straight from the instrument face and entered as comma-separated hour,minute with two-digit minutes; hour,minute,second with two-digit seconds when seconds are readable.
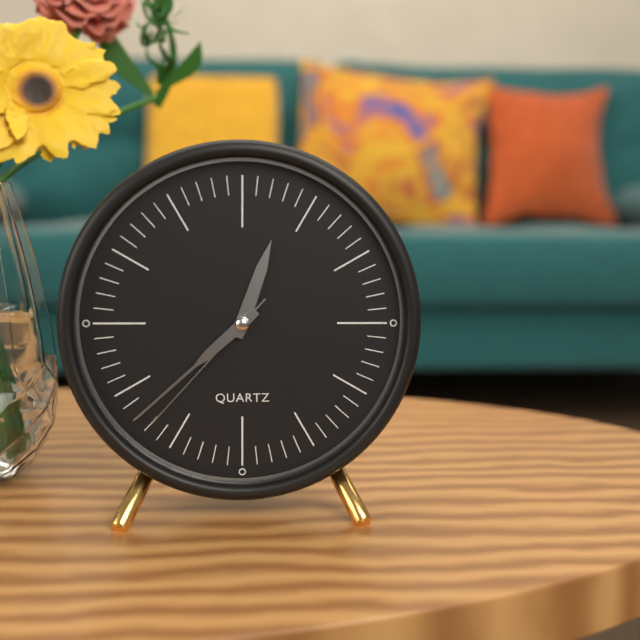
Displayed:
12,38,37
